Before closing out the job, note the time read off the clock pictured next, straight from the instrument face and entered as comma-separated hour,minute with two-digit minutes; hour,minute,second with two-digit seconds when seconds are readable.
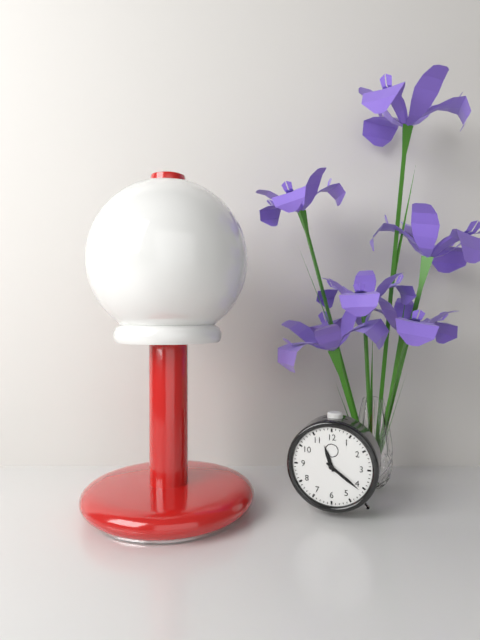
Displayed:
11,21
